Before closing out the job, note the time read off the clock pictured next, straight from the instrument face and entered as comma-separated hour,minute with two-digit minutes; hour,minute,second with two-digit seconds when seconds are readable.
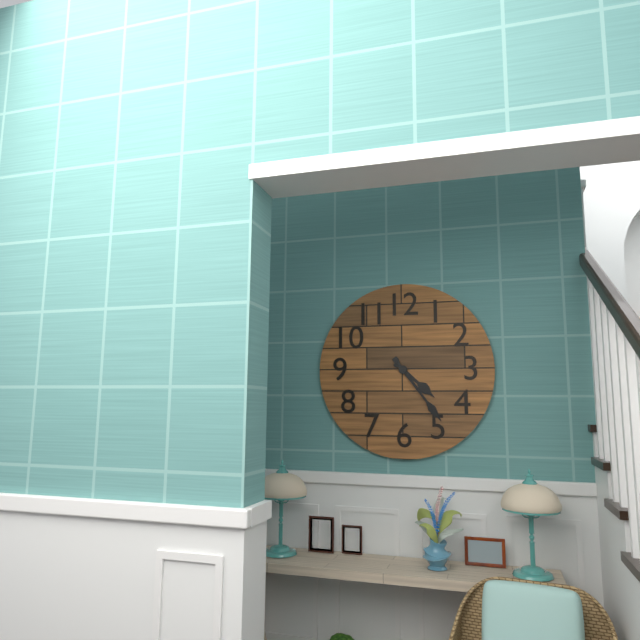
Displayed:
4,24
